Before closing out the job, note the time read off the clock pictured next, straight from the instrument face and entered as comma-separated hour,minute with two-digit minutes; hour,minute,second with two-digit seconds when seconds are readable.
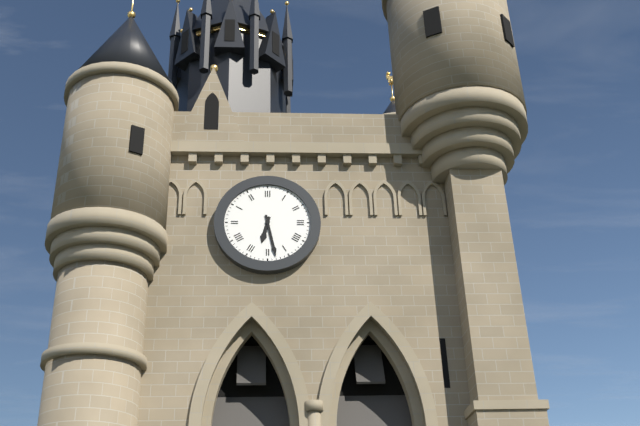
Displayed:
6,28
